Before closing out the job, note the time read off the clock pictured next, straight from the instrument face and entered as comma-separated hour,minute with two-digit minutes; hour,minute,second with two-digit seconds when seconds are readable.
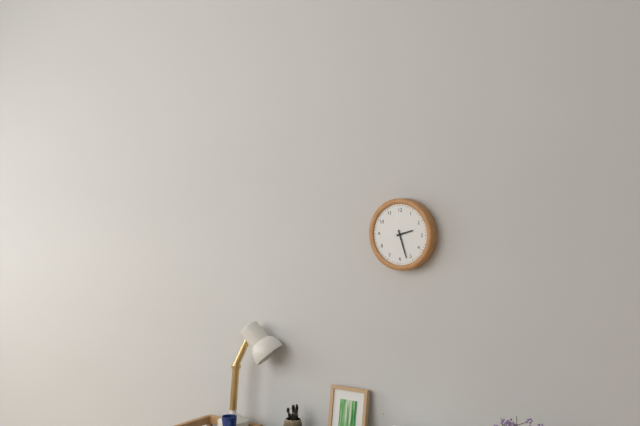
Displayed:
2,27
